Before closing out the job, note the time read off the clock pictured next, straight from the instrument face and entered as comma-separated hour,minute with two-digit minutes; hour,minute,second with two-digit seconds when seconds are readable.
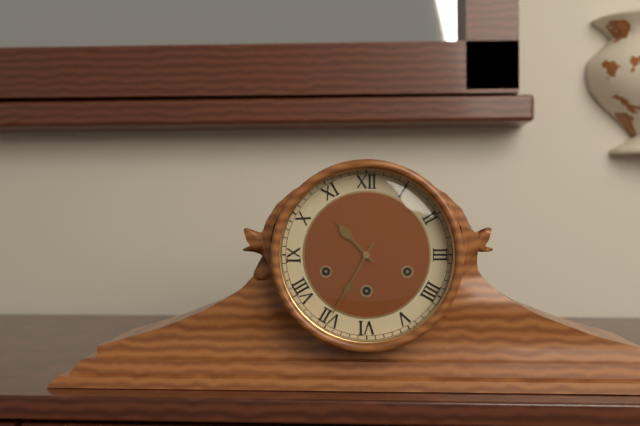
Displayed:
10,35
